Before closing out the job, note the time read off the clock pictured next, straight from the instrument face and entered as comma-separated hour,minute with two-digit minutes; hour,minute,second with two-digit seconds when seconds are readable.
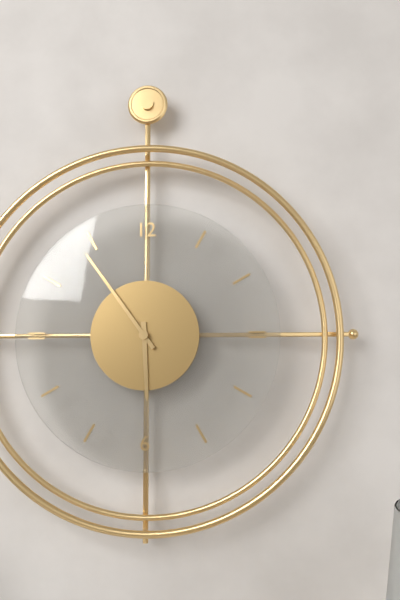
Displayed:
5,54
